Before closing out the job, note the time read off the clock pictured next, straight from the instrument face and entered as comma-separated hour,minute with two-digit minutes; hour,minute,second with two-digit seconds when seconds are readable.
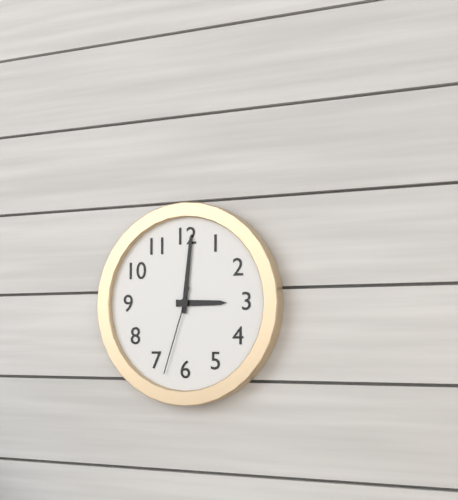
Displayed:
3,01,33
